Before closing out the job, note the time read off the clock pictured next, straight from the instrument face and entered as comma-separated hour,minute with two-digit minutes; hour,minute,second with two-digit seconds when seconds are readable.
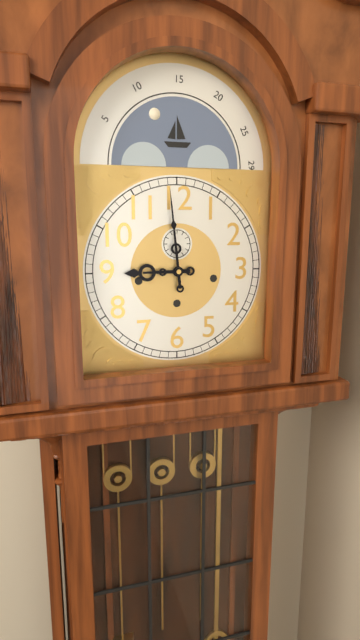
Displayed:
8,59
